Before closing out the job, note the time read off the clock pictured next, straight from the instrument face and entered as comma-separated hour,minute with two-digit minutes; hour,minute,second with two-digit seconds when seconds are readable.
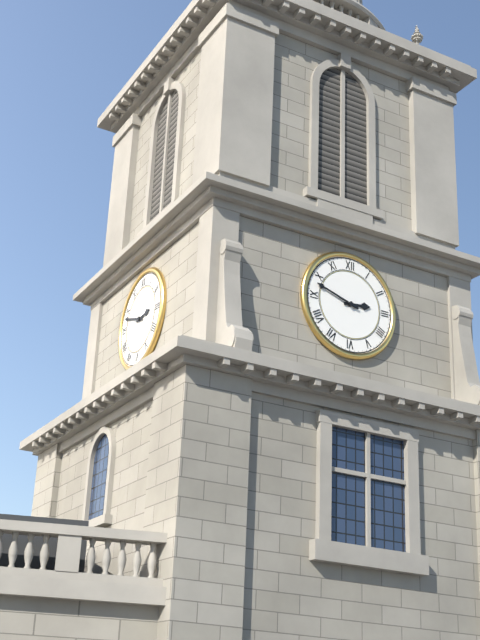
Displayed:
2,48
